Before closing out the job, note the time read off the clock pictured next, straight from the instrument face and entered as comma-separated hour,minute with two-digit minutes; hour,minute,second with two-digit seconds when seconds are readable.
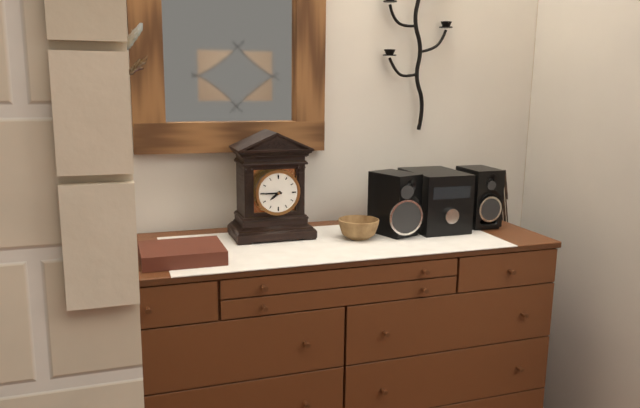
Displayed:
7,45
